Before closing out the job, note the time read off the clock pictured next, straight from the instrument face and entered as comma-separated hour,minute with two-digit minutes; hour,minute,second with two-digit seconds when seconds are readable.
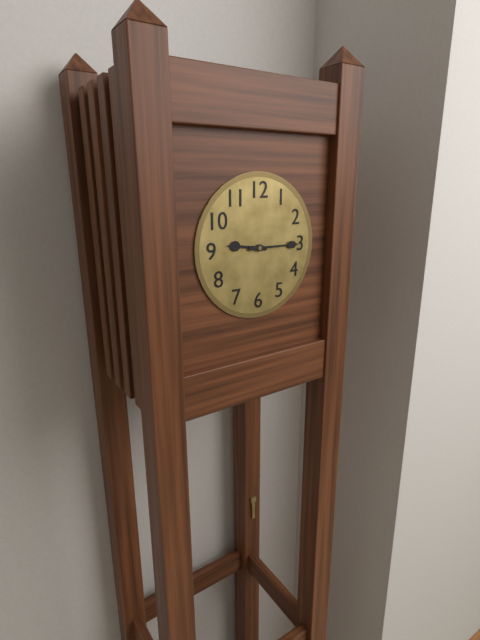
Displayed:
9,15
